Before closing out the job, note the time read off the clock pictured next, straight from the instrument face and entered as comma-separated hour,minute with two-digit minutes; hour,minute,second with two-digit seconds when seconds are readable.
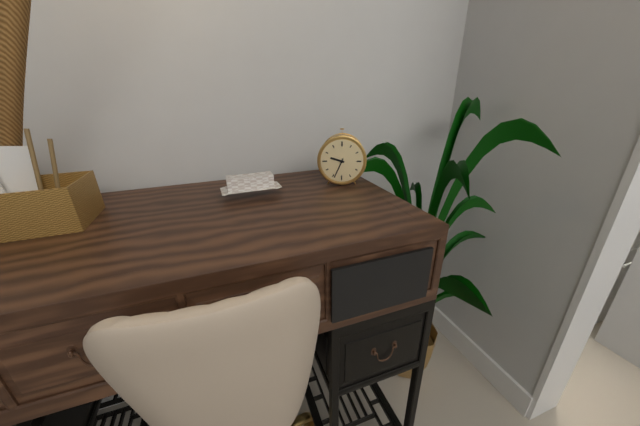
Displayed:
9,34
